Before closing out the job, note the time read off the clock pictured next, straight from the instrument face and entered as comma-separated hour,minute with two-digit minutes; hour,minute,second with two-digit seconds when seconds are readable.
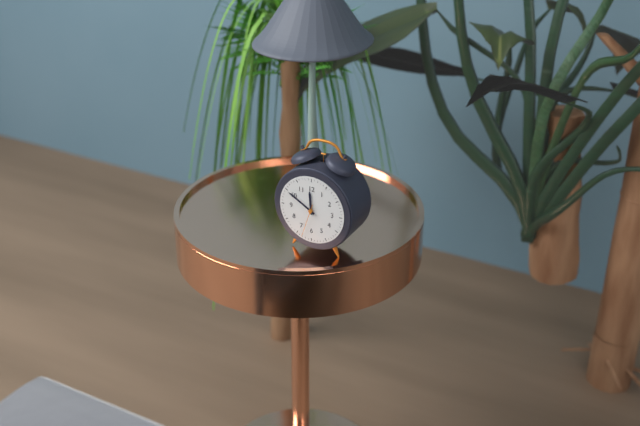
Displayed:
11,50
